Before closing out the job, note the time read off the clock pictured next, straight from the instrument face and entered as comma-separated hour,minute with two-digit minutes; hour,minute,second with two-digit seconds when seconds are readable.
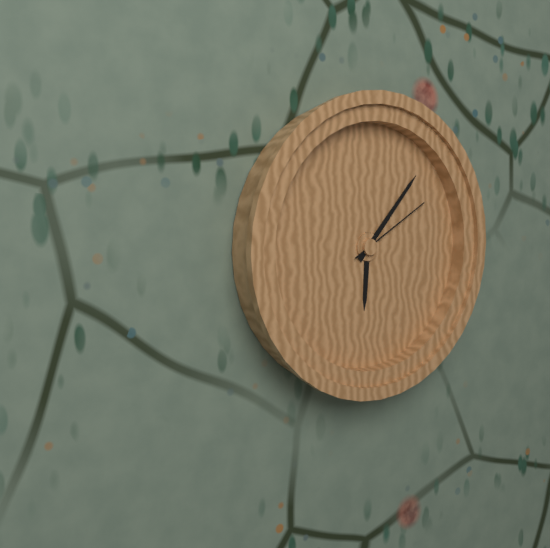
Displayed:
6,07,10
